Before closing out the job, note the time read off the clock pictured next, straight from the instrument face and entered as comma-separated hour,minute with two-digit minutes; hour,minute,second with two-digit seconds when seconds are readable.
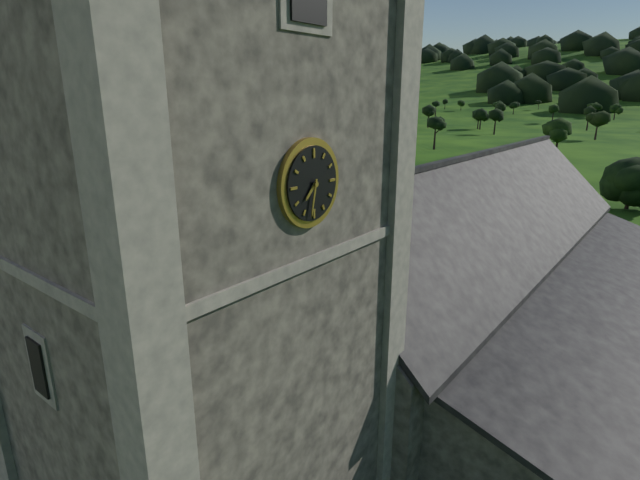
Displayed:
7,32
